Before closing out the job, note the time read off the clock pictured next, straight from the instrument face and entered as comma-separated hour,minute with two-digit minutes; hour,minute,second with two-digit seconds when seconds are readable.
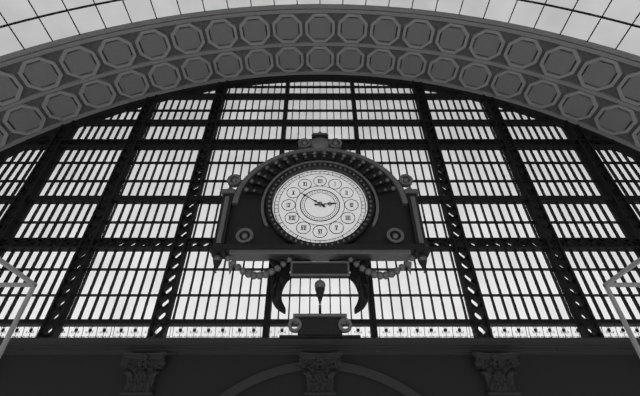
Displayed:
2,51
